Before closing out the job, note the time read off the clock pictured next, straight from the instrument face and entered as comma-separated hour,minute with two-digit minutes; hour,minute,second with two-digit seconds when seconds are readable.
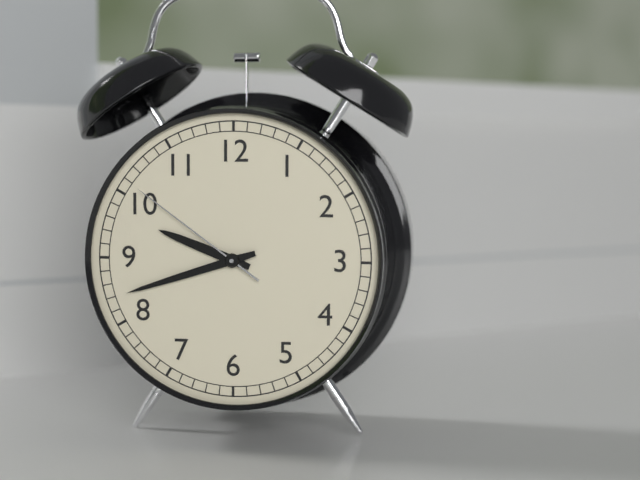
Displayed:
9,42,51
